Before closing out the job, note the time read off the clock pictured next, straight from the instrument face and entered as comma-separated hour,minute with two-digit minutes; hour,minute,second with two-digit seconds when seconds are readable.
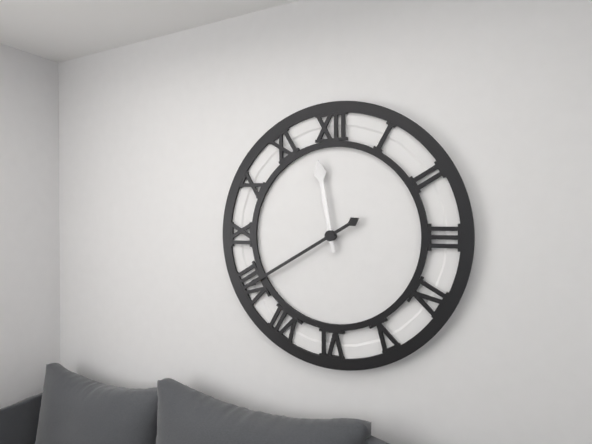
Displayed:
11,40
